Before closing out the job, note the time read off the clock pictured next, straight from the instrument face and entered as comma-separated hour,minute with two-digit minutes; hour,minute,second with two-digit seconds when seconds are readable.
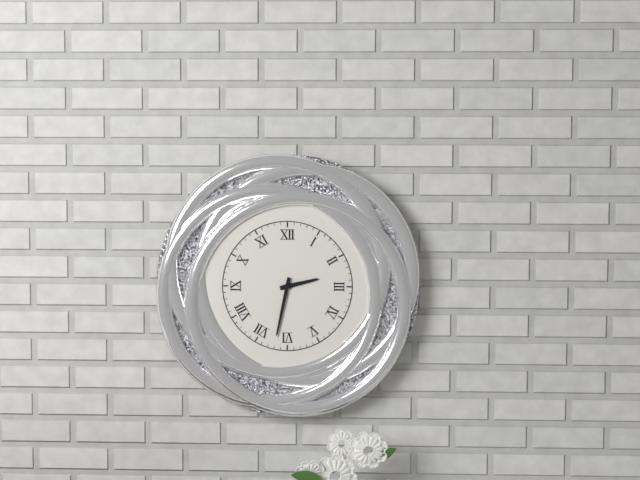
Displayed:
2,32
